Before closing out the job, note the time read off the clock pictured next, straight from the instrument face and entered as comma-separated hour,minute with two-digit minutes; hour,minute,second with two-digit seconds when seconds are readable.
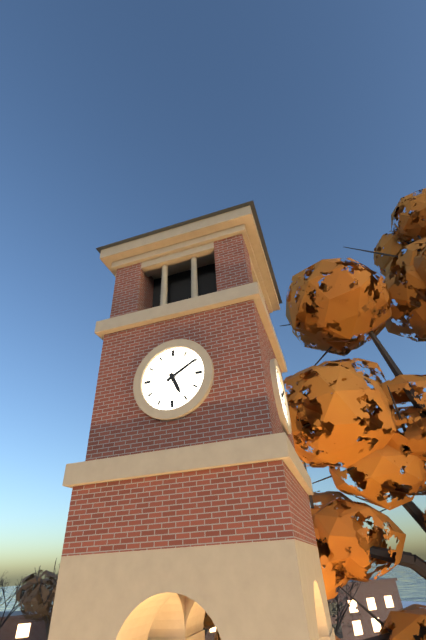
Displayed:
5,10
